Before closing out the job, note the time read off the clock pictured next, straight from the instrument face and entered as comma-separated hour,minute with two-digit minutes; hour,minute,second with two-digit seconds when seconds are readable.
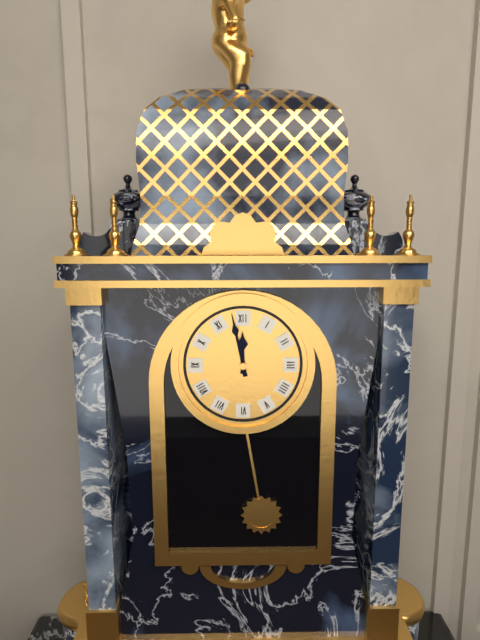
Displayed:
11,58
